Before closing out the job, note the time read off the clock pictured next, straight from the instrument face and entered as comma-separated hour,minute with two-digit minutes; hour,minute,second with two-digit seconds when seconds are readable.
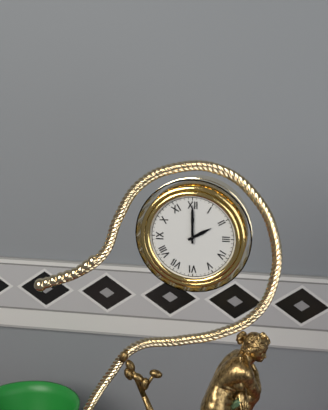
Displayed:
2,00
